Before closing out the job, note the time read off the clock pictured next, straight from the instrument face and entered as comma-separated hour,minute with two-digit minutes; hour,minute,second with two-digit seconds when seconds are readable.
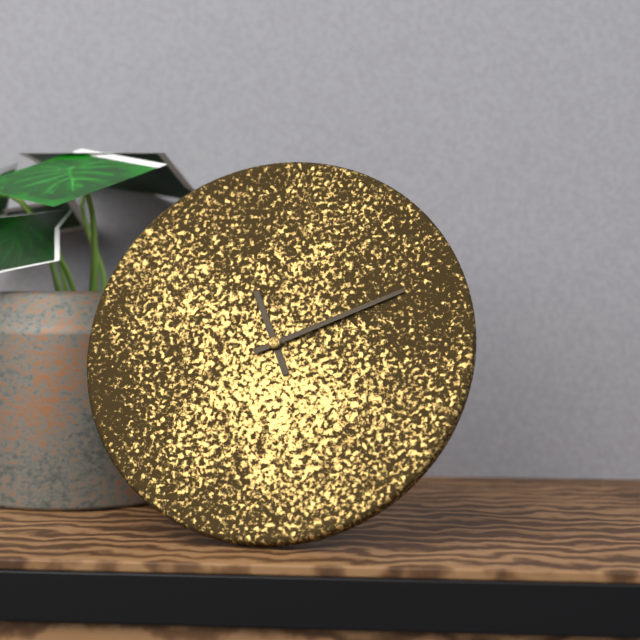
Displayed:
11,11
